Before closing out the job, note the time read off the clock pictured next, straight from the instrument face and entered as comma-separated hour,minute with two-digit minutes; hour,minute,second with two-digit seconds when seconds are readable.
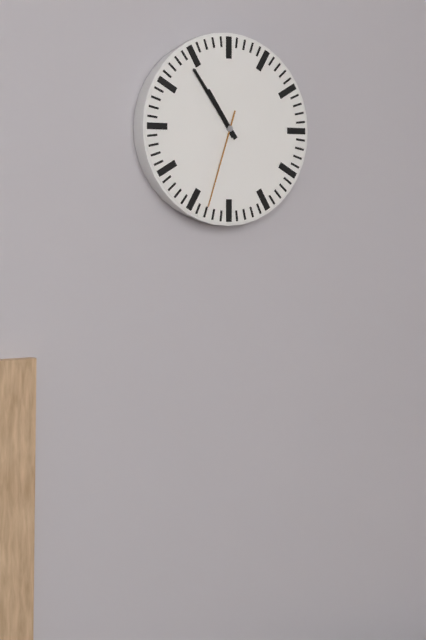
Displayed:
10,54,33
